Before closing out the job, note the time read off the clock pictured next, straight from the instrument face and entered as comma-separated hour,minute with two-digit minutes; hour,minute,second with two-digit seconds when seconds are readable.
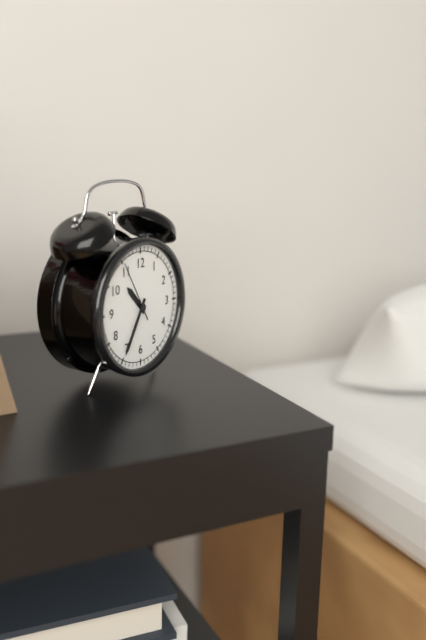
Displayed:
10,35,55
